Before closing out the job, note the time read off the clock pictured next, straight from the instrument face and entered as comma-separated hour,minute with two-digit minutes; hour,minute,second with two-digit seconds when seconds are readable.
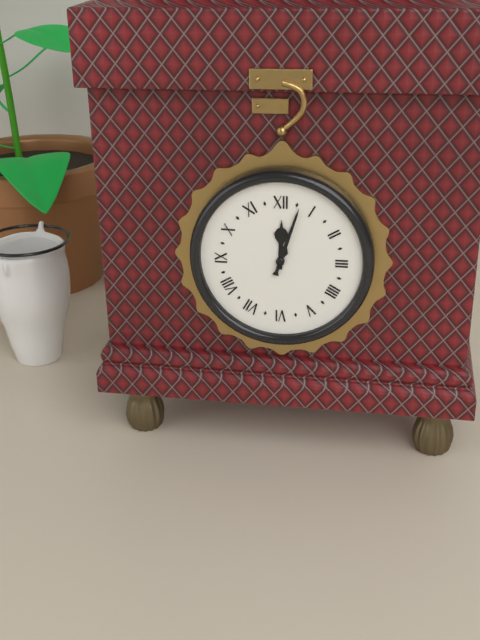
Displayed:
12,03
